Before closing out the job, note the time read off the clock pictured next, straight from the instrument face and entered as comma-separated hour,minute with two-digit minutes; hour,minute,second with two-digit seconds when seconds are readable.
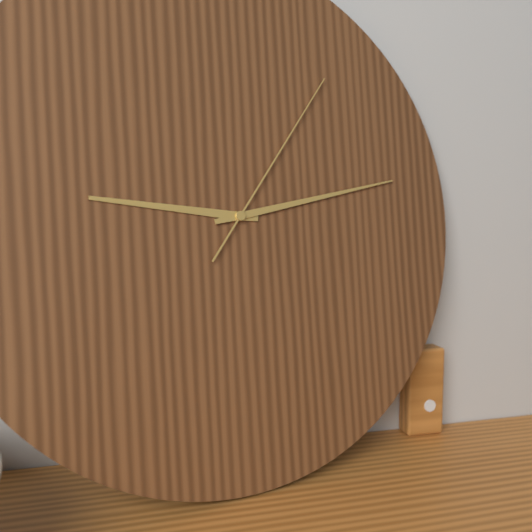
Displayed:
9,13,06
